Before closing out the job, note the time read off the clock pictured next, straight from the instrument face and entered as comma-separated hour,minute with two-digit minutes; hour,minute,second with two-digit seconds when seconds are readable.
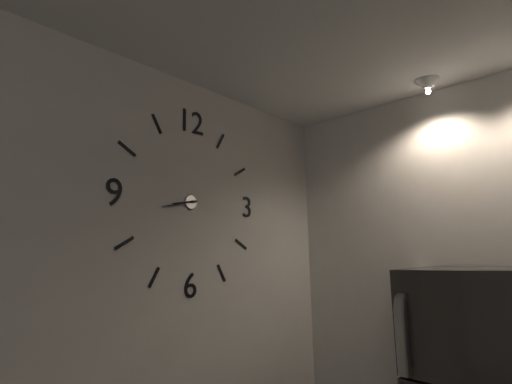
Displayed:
8,43
